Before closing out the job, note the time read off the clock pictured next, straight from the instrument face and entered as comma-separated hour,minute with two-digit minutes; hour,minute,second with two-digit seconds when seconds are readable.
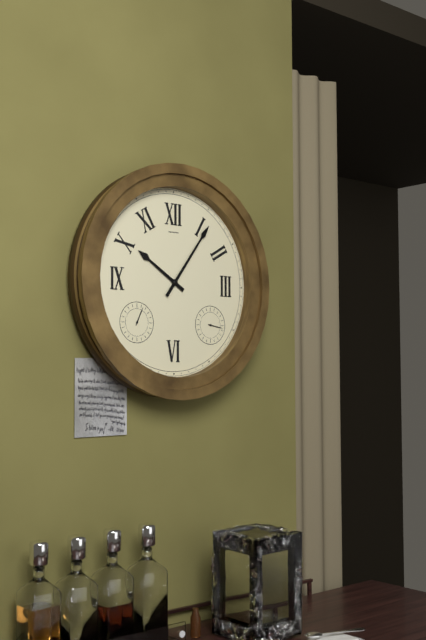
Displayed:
10,06
